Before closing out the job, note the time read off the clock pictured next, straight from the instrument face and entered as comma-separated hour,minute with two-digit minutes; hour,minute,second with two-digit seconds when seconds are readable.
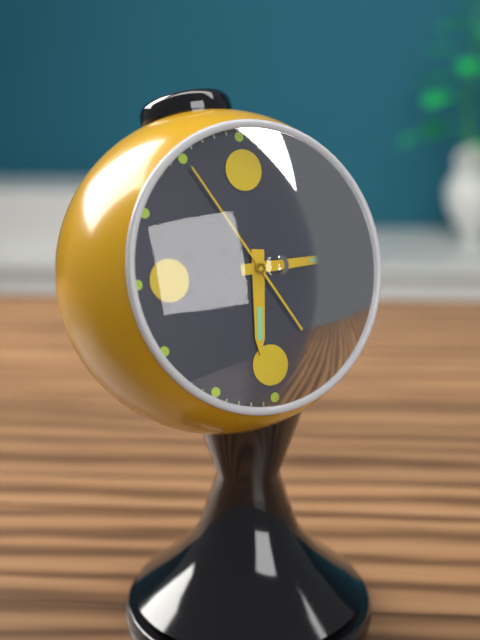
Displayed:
6,15,55
